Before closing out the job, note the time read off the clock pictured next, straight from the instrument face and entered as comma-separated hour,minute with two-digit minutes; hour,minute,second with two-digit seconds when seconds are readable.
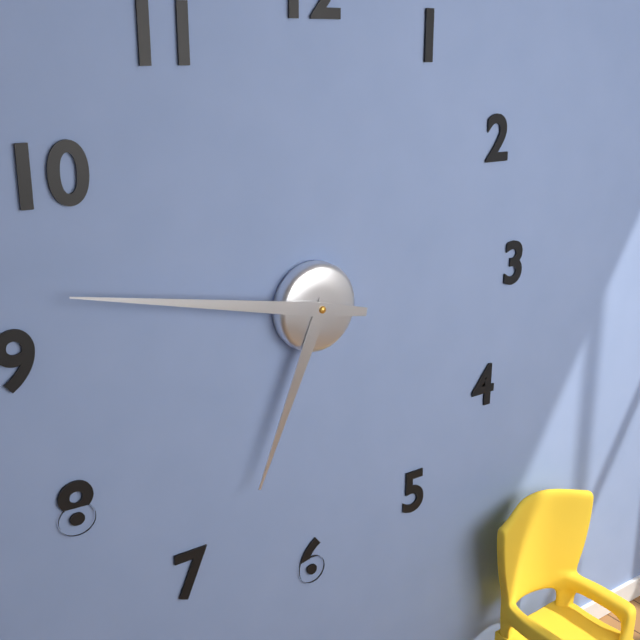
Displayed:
6,47
